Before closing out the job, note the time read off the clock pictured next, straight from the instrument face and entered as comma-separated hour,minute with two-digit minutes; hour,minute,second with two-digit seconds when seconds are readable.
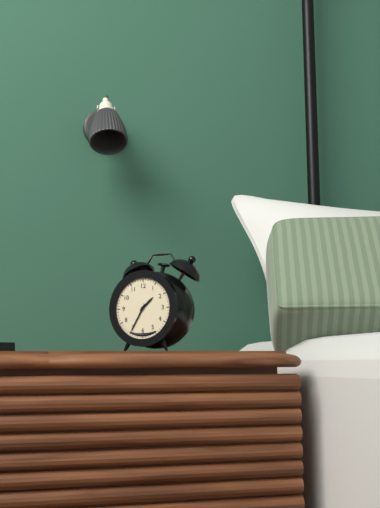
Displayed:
1,35
